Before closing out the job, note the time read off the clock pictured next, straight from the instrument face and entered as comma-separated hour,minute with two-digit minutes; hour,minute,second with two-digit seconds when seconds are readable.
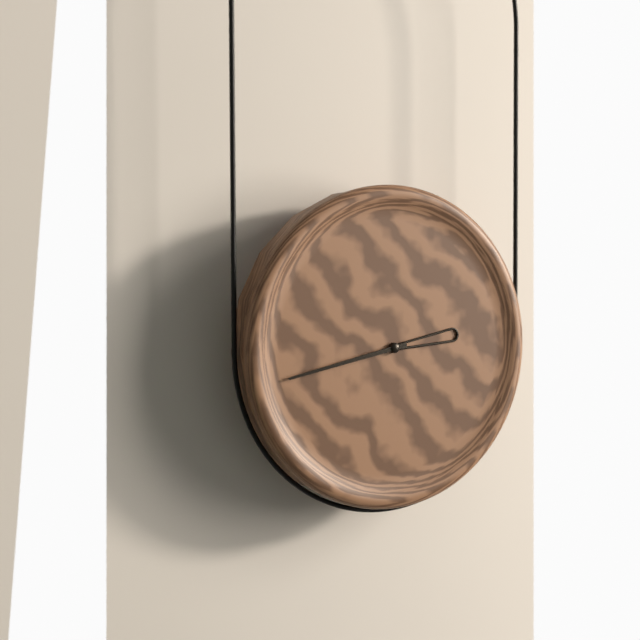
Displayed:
2,43
